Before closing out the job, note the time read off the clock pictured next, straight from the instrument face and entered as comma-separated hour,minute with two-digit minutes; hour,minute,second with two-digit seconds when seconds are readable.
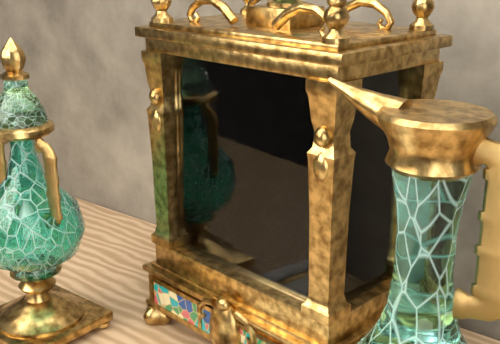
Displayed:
4,55
